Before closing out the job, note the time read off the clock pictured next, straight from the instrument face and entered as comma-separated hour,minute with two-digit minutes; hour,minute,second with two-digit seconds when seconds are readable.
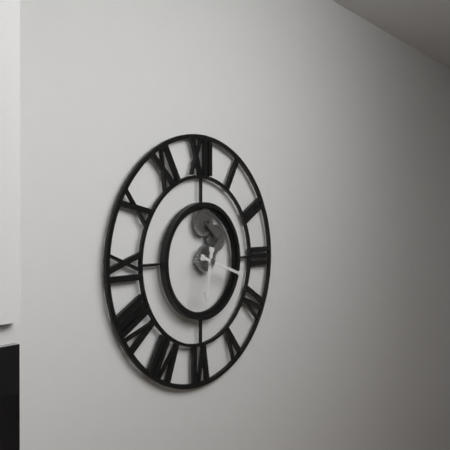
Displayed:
6,18
